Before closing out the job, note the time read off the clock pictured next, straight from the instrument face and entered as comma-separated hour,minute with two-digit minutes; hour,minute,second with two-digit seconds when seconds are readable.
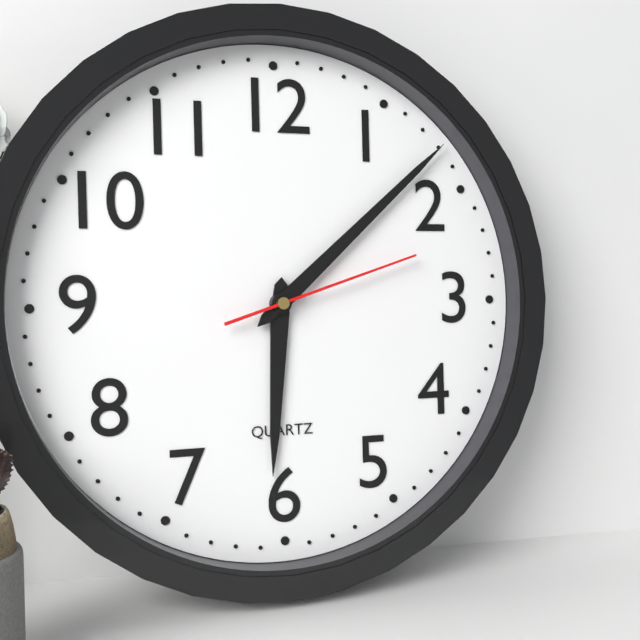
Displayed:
6,08,12
